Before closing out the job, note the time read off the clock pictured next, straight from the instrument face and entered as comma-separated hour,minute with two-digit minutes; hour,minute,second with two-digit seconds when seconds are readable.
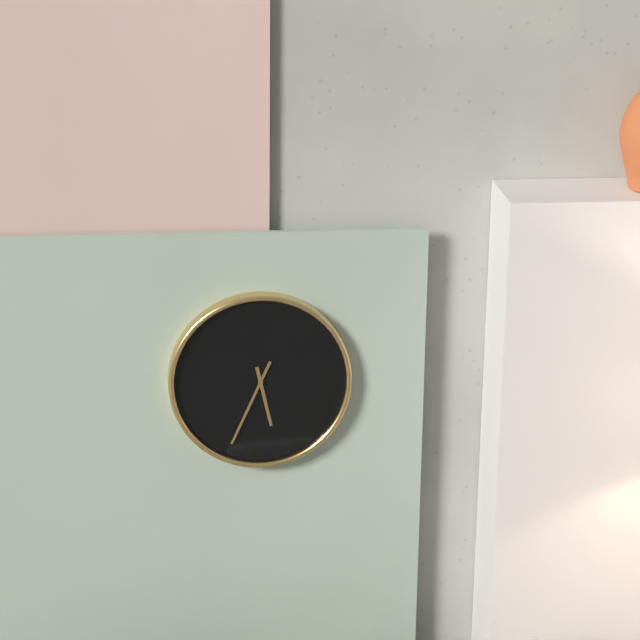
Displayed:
5,34
